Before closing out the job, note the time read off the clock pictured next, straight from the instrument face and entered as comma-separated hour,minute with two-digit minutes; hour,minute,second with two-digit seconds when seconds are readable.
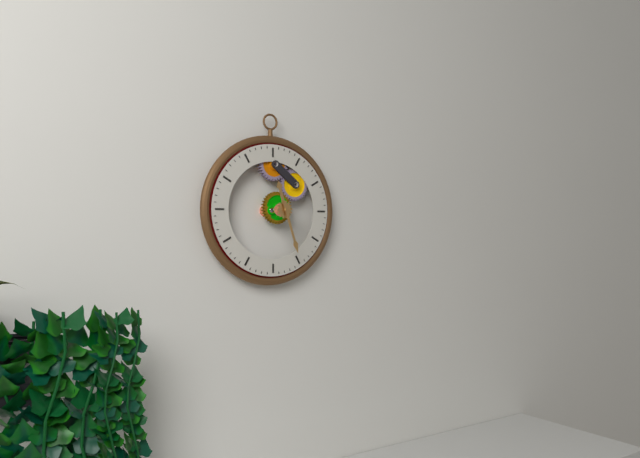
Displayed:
11,27
